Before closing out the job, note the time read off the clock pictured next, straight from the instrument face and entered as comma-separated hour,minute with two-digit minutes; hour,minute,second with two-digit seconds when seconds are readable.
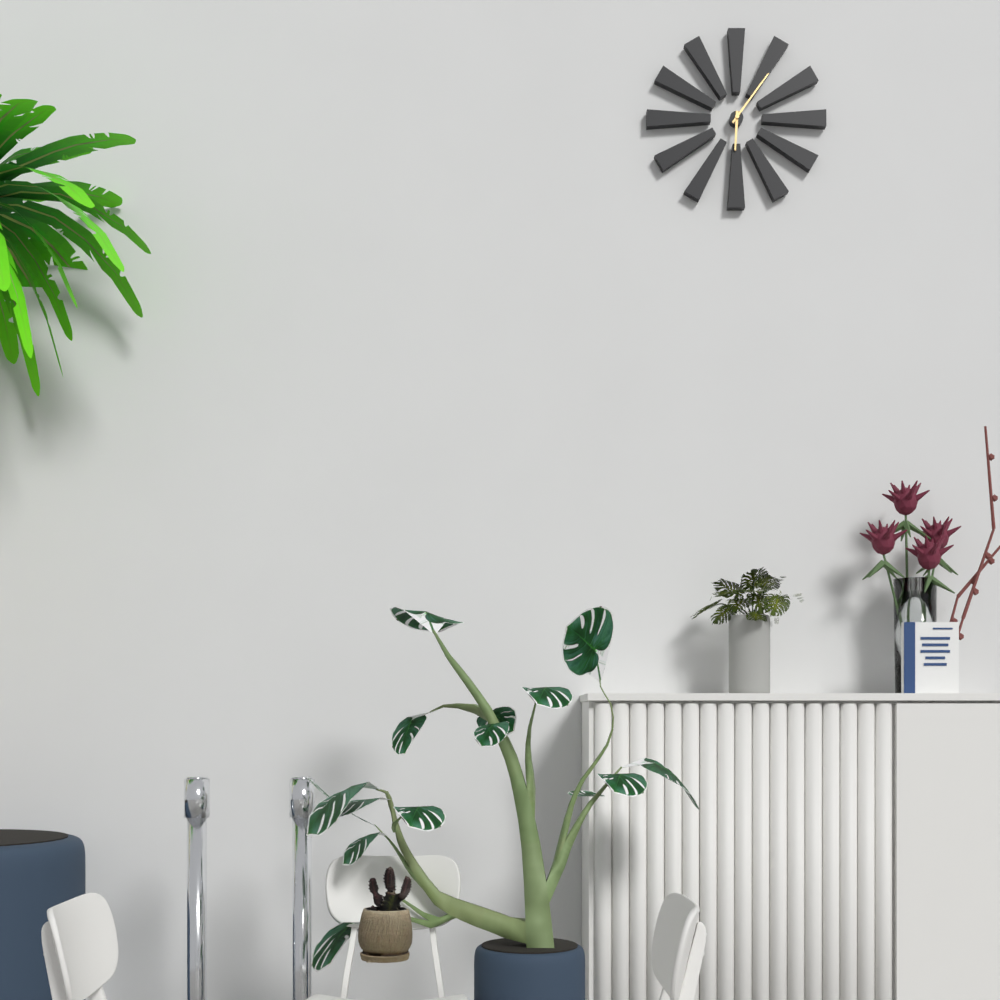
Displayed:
6,06
